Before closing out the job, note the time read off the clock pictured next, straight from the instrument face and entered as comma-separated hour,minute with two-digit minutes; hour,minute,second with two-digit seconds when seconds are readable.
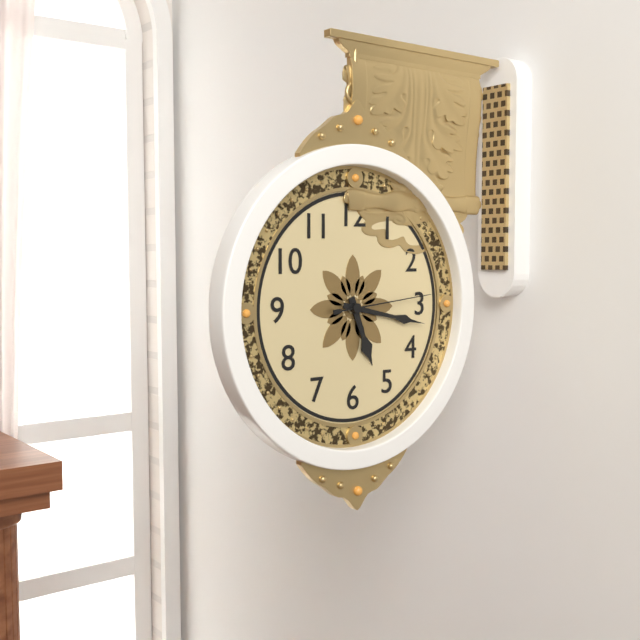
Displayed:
5,17,14
